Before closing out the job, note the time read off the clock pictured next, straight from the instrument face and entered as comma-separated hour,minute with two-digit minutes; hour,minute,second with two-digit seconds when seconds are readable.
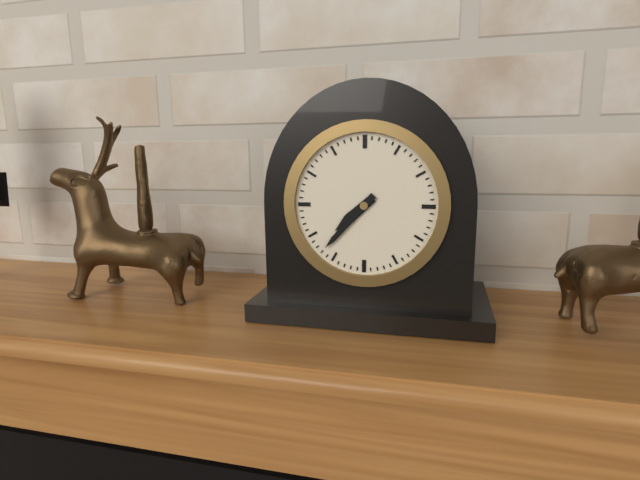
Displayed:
7,37
